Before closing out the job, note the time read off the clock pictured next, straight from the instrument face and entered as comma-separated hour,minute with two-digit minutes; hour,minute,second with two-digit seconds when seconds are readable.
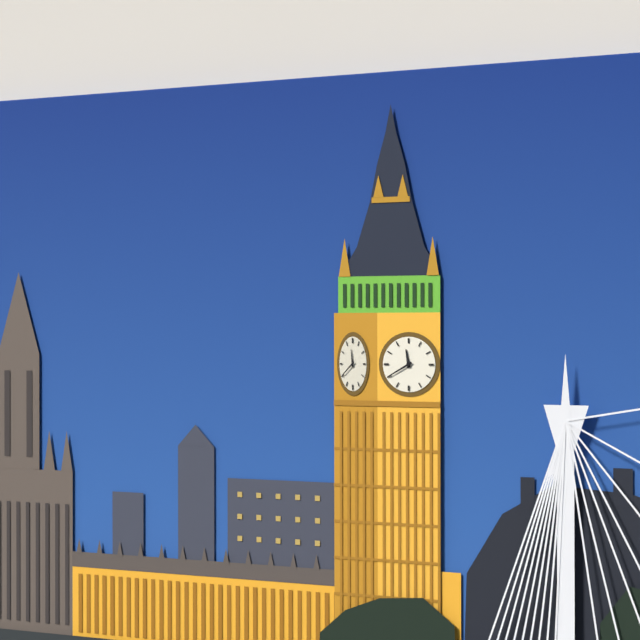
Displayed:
11,40
